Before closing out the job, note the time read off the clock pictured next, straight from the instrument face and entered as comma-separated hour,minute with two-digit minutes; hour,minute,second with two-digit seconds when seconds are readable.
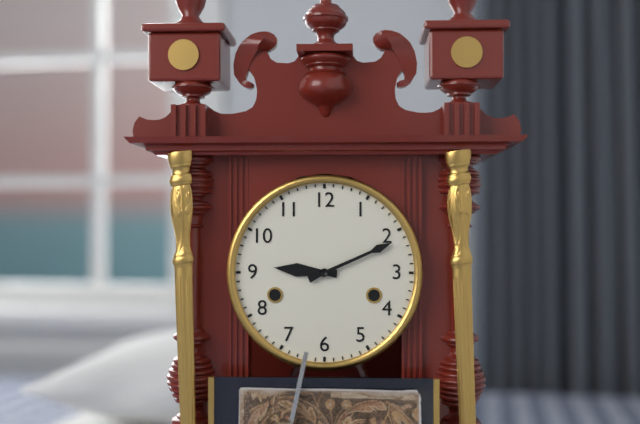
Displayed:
9,11
